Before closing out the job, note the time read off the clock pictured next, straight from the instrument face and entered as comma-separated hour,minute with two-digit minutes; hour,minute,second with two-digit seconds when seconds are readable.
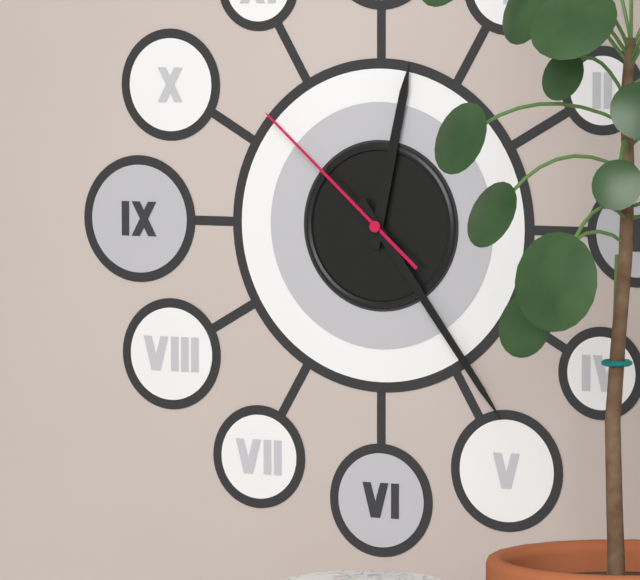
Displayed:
12,24,52
